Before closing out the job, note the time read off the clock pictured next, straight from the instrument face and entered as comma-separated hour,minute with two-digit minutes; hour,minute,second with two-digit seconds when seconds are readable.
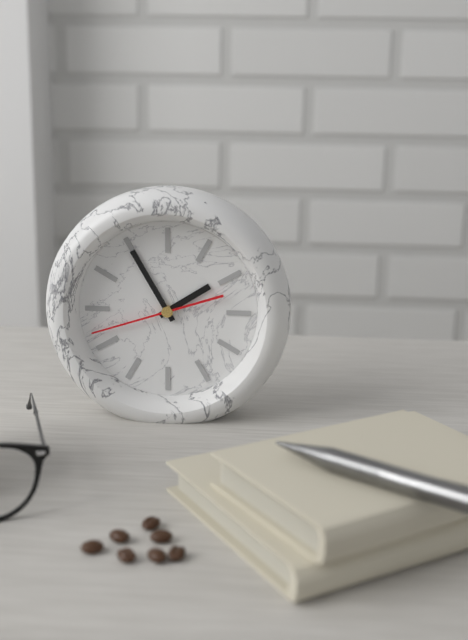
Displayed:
1,55,42
